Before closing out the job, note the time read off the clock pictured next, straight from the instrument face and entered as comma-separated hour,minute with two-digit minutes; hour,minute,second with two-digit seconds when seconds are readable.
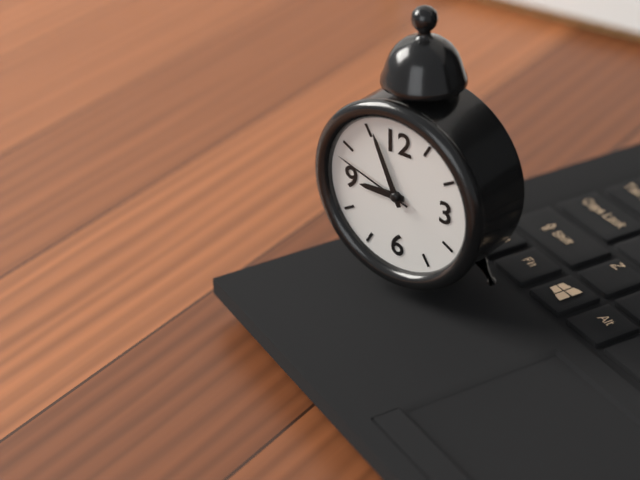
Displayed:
8,56,48
